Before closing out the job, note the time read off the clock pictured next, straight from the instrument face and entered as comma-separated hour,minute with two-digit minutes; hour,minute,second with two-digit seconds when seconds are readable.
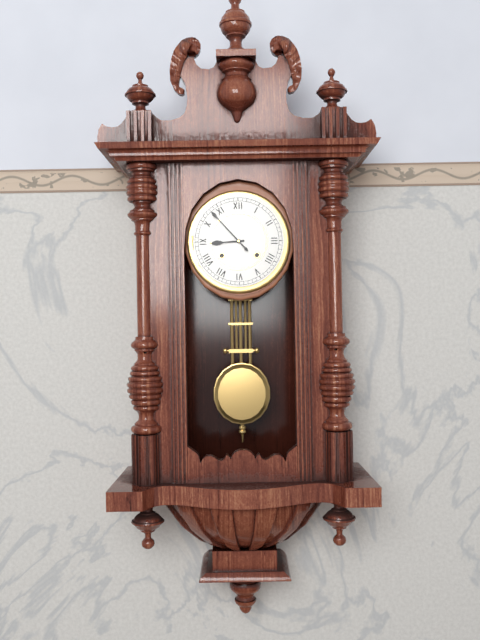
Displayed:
8,53
